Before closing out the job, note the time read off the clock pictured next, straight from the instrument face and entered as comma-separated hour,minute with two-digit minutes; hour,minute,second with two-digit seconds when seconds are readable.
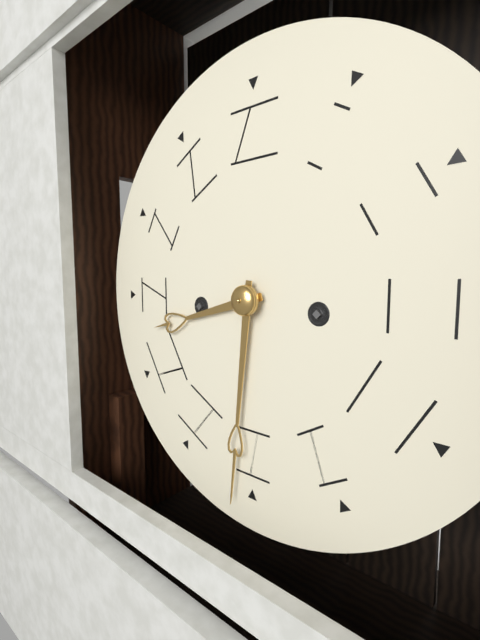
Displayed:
8,31
